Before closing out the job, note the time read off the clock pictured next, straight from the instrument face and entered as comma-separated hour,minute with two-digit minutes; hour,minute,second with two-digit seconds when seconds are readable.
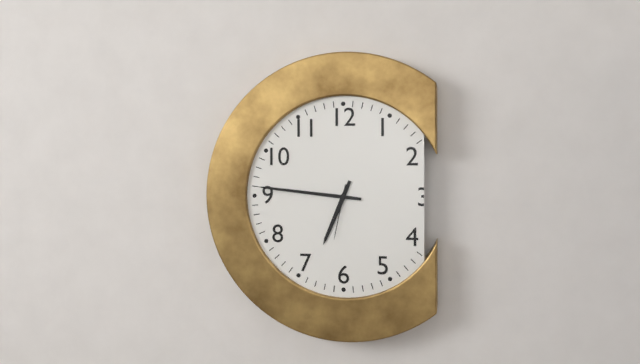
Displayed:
6,46,32
